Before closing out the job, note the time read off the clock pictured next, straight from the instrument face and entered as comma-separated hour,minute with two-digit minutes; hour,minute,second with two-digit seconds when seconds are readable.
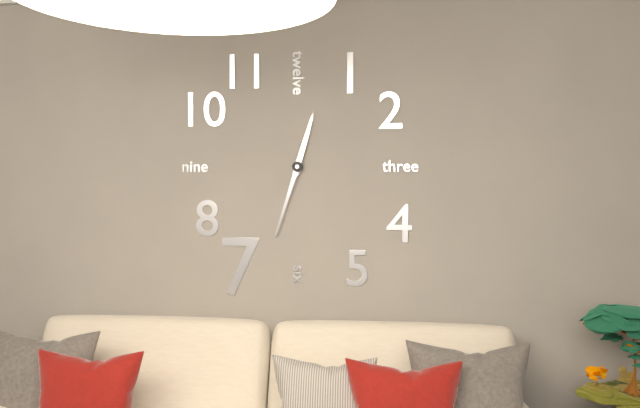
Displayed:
12,33
